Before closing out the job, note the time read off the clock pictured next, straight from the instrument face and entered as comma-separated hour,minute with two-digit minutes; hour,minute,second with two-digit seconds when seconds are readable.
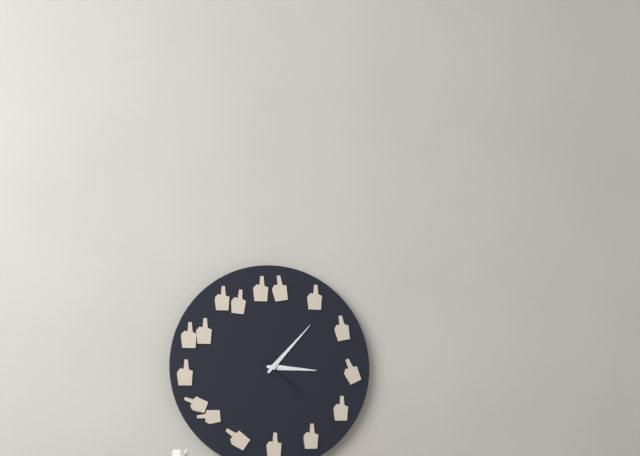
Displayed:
3,07,22
